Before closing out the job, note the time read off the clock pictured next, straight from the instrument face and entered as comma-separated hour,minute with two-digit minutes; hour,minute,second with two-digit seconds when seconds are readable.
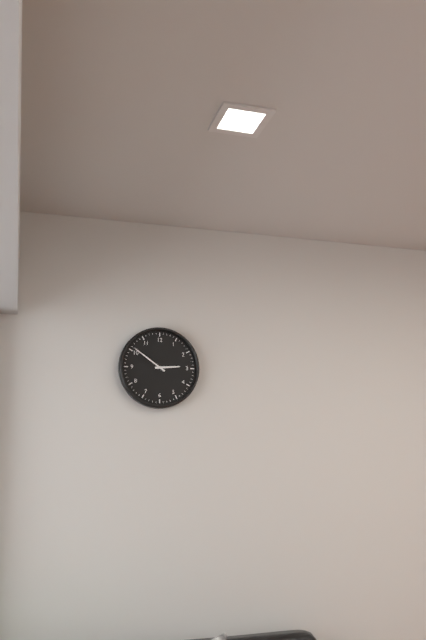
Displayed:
2,51
